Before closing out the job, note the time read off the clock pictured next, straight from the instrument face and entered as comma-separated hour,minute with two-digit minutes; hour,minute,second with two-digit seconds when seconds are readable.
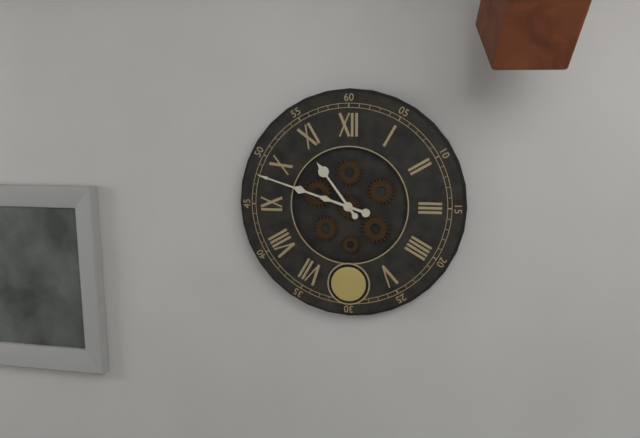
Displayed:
10,48
